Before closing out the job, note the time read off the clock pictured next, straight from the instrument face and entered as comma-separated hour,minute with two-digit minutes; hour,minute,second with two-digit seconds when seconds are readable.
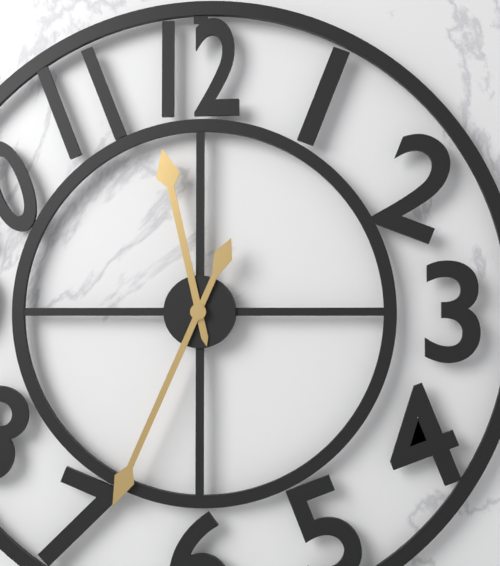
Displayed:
11,34
